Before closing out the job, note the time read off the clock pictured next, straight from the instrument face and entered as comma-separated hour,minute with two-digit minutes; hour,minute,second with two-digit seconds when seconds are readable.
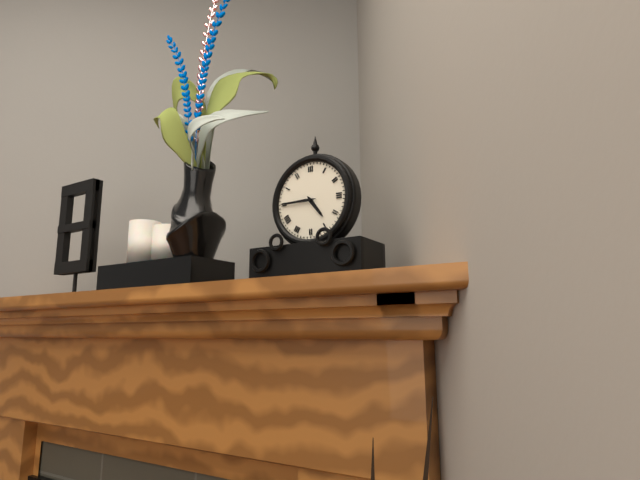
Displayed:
4,45
